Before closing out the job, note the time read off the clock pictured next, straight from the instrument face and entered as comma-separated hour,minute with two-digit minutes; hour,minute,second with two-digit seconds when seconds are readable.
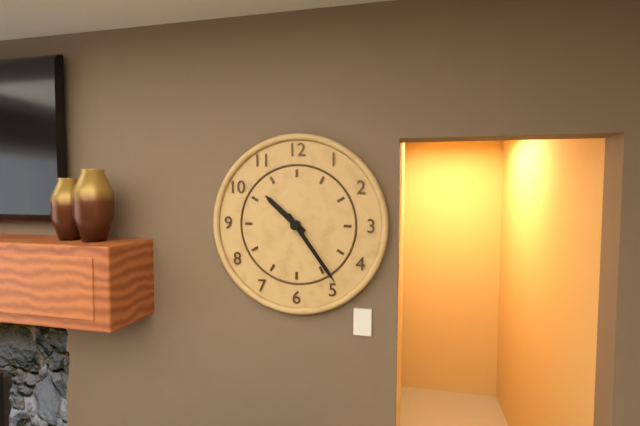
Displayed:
10,24
